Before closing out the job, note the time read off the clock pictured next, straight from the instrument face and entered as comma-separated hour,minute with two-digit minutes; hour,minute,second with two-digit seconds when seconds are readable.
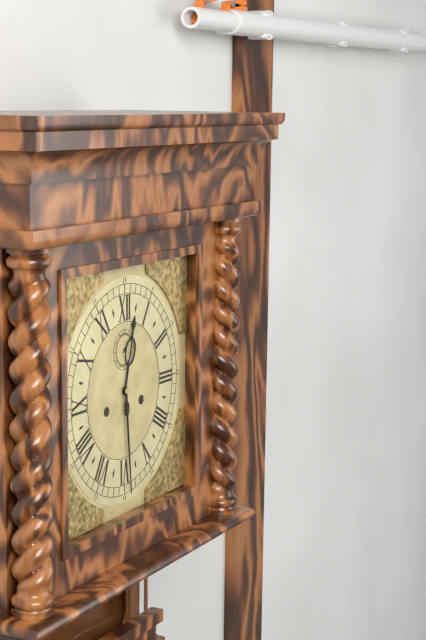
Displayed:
12,29
